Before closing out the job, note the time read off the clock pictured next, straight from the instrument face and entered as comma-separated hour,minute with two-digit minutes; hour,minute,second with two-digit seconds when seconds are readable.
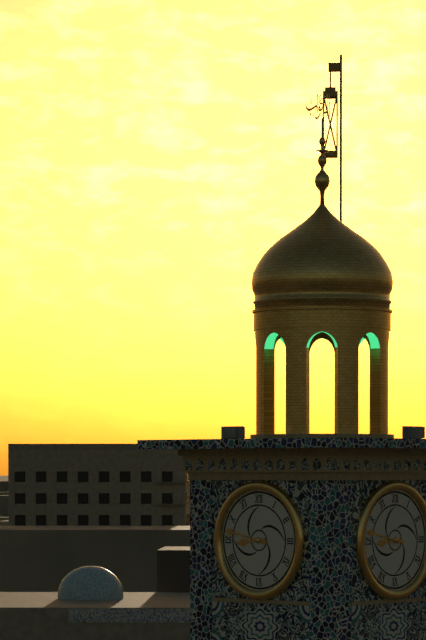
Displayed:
8,47
